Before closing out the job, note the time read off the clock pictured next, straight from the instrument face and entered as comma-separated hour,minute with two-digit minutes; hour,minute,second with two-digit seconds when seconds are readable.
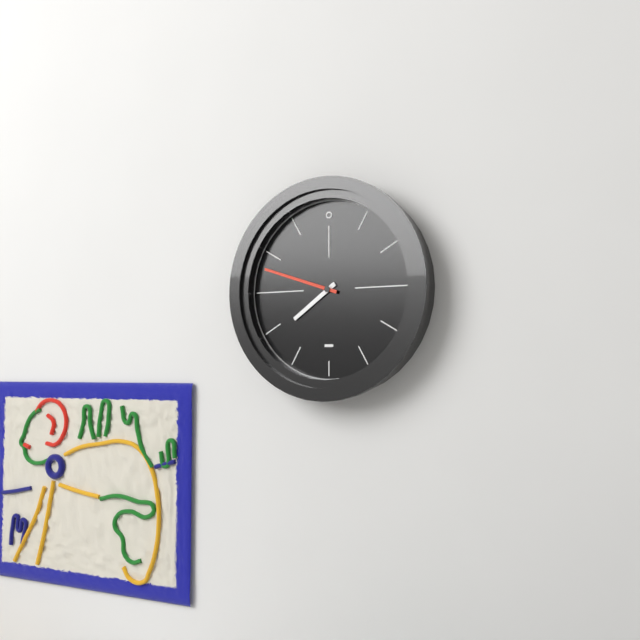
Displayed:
7,48
